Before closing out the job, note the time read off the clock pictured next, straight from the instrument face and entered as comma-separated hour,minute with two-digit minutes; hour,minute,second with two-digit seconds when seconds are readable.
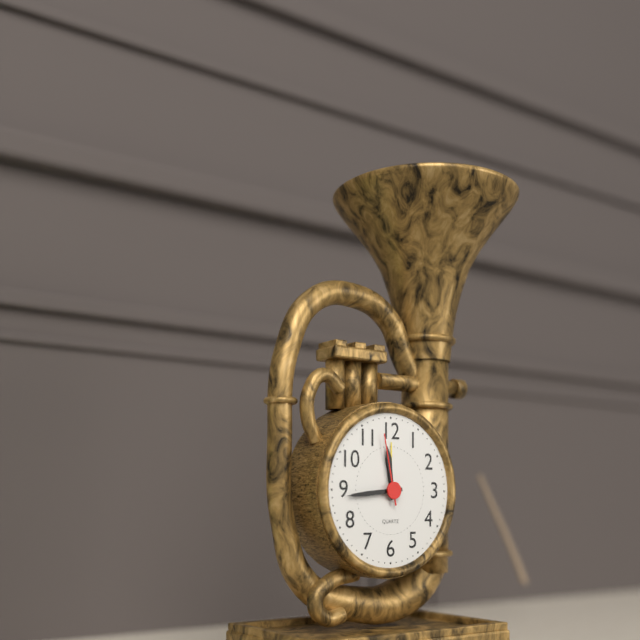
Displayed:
11,44,58
